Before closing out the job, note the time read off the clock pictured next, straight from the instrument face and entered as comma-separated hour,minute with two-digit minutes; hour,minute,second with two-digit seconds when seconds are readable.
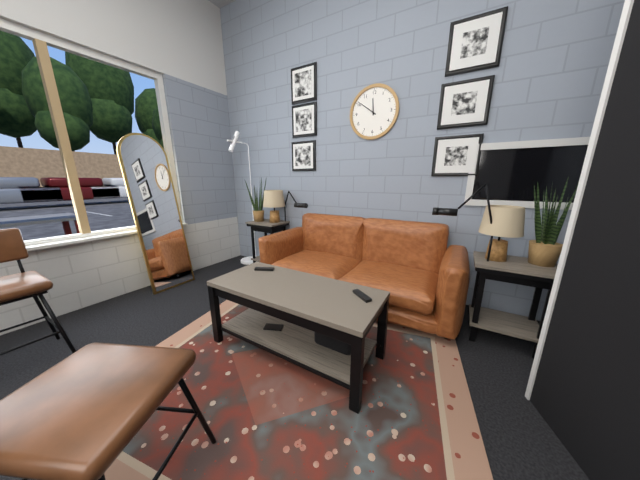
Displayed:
11,51
